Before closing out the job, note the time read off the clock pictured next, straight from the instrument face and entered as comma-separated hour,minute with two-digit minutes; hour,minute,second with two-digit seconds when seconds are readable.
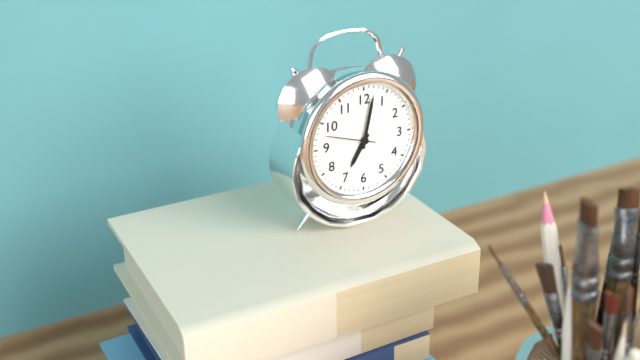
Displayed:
7,02,48
